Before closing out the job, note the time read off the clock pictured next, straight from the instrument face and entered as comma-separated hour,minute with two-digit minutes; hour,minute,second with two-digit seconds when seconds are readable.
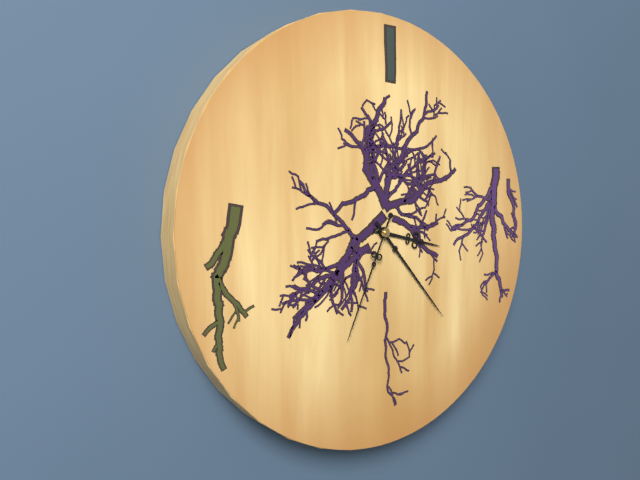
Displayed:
3,23,34
